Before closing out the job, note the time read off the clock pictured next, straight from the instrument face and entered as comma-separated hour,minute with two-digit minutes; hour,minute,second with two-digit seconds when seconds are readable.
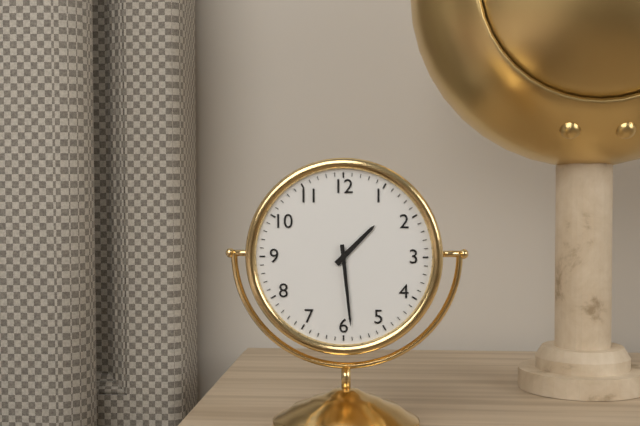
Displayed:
1,29
